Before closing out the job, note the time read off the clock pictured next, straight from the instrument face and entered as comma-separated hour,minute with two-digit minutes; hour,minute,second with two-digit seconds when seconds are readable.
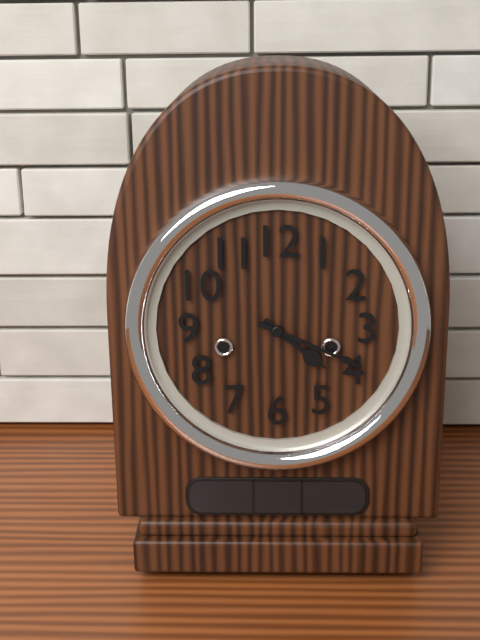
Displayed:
4,19
